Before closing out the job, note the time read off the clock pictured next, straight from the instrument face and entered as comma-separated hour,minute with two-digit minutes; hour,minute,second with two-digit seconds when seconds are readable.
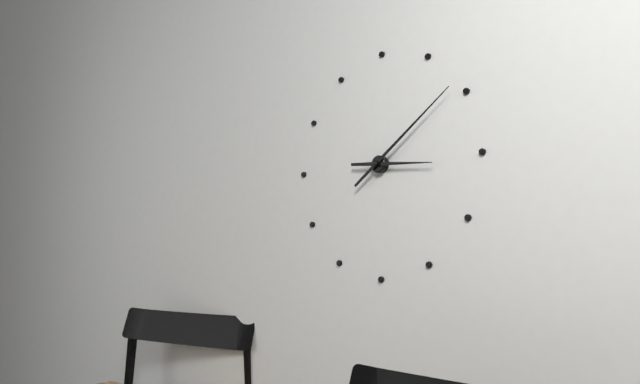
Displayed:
3,09
